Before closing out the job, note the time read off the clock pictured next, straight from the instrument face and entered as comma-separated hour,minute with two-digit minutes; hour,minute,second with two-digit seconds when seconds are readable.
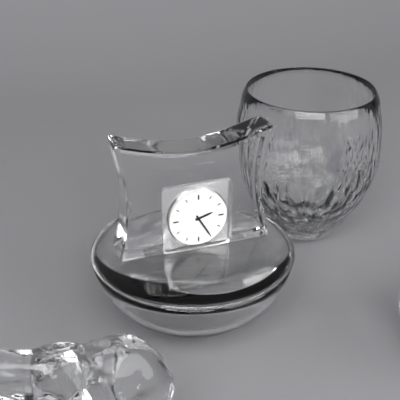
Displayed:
2,25
